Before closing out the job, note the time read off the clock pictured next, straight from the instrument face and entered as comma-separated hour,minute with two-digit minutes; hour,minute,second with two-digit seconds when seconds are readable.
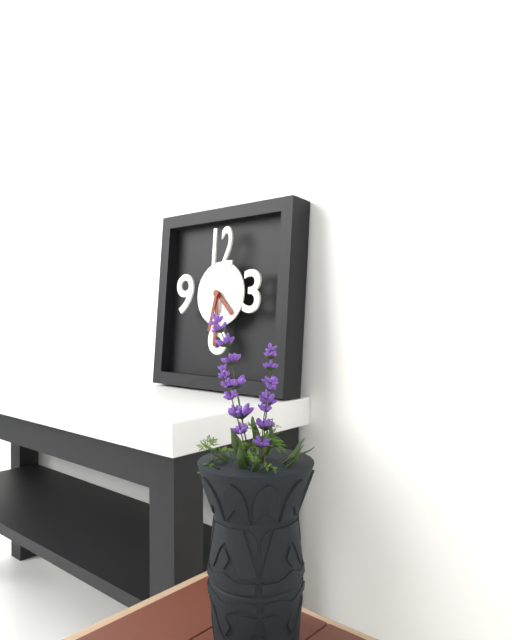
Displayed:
4,30
